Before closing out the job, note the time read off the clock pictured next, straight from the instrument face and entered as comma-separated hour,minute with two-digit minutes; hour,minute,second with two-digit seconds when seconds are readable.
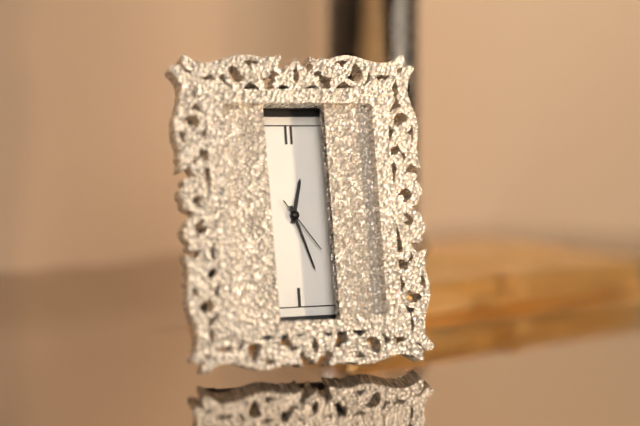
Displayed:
12,27,24
